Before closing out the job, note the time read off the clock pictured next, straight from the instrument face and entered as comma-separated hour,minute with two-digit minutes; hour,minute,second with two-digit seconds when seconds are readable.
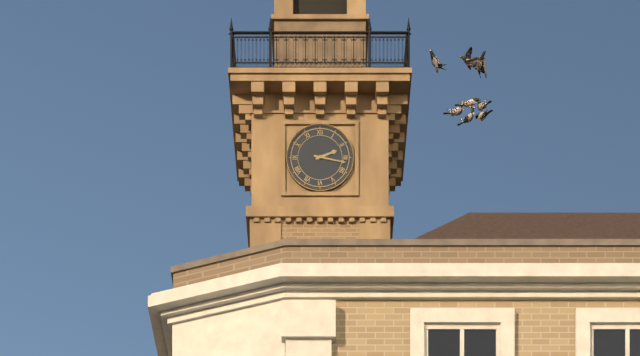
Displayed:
2,17
